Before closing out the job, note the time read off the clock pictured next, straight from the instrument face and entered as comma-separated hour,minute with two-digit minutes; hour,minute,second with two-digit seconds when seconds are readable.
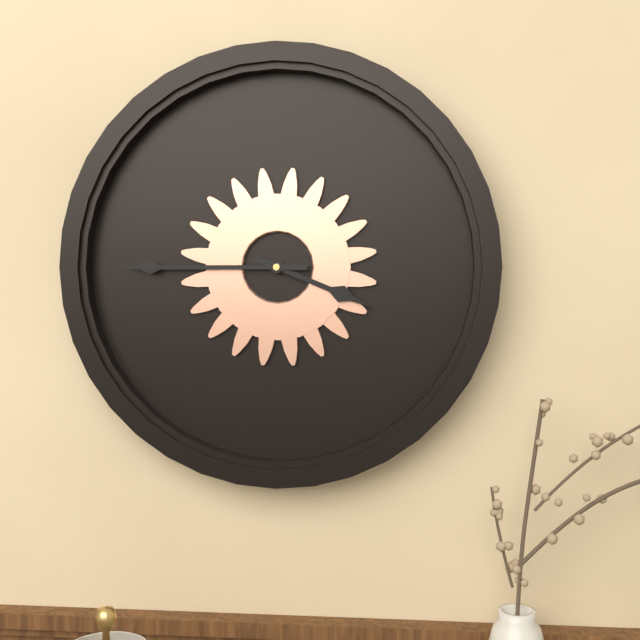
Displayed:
3,45
